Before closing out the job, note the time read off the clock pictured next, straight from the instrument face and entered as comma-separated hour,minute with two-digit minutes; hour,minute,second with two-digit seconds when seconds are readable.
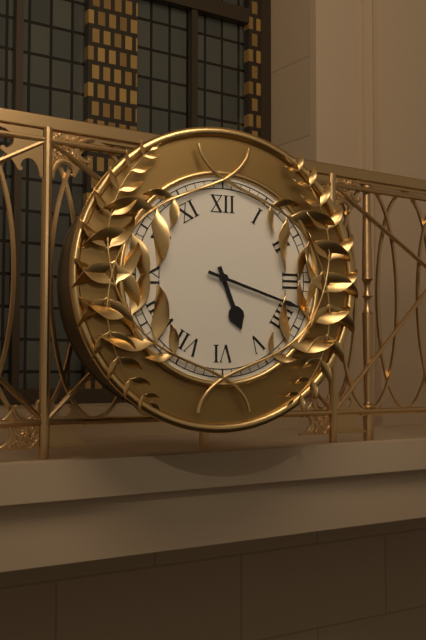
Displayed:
5,18
